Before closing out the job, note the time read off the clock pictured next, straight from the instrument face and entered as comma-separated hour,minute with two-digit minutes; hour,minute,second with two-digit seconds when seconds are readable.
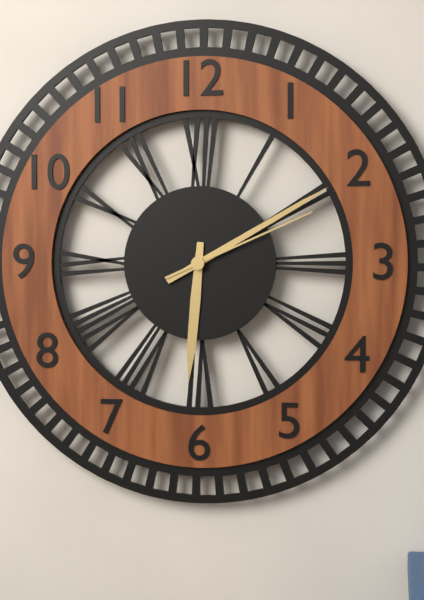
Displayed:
6,10,11
